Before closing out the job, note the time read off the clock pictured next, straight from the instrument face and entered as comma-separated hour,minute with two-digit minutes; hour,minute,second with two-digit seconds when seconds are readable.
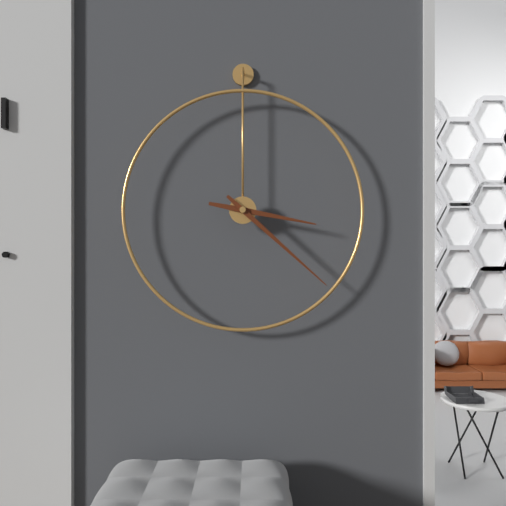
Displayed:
3,22
